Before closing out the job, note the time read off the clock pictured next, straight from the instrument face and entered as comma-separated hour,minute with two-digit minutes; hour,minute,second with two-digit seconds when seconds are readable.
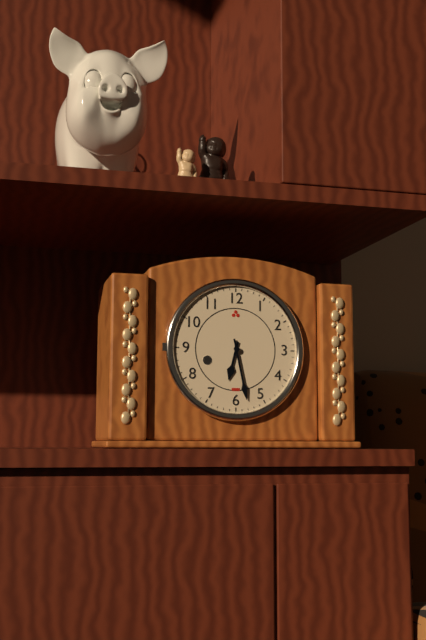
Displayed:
6,28
